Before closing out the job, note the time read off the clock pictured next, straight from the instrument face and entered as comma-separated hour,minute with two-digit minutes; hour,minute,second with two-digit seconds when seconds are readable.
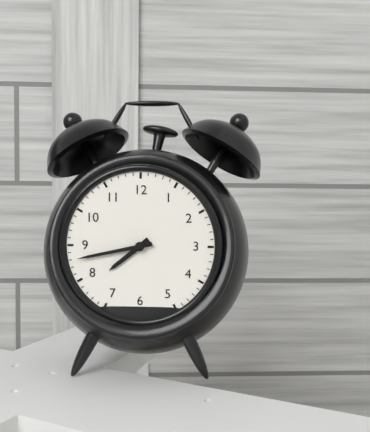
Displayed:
7,43
